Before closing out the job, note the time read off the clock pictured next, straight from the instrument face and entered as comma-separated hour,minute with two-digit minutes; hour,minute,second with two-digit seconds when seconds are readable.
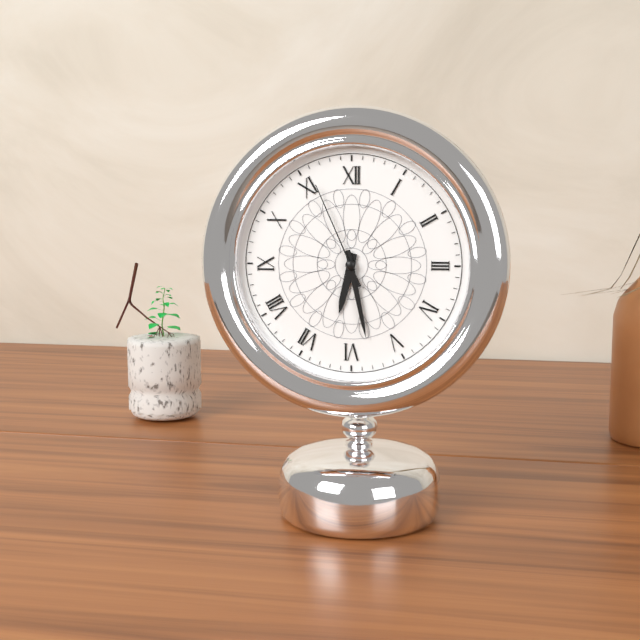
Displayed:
6,28,56
